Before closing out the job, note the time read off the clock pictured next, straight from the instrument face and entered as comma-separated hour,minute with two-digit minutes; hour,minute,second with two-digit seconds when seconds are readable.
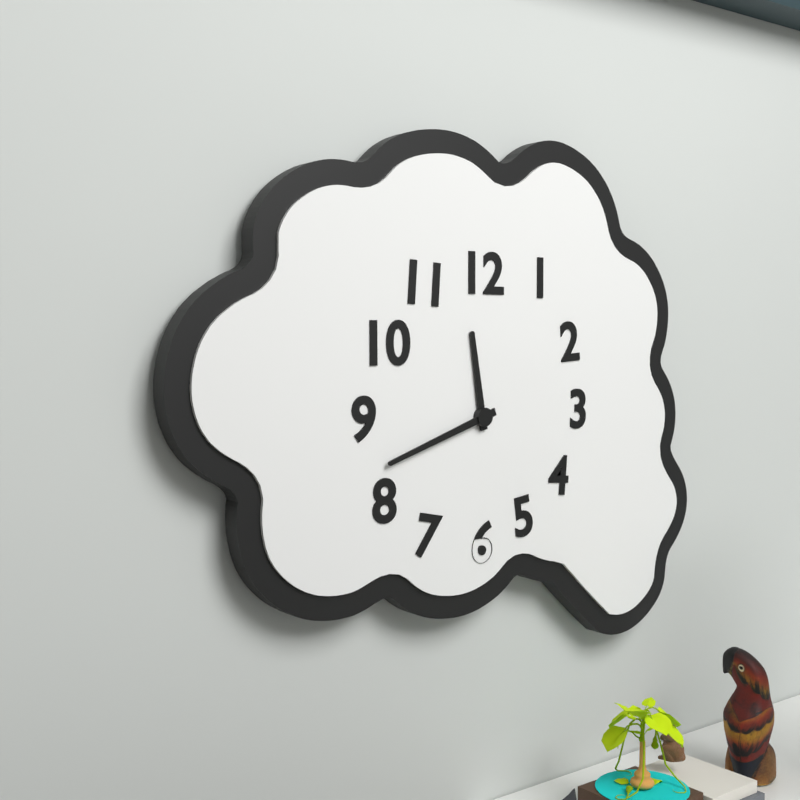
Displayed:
11,42
